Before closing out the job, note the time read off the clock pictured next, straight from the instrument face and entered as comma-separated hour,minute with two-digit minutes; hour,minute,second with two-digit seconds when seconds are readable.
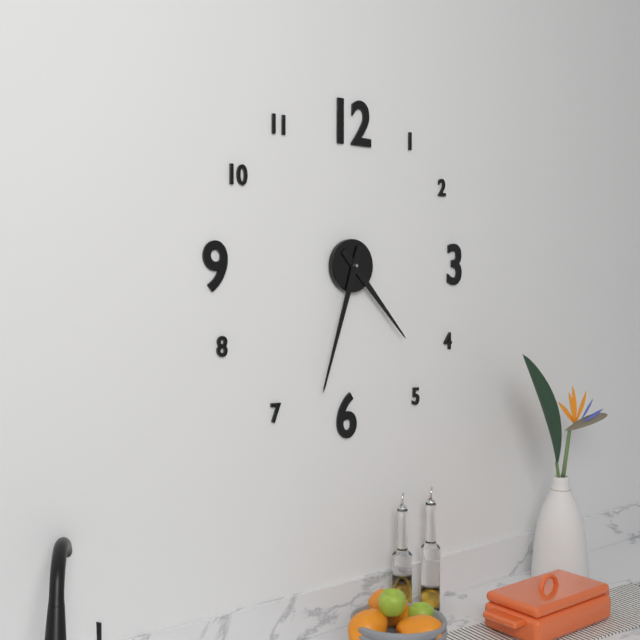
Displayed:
4,33
